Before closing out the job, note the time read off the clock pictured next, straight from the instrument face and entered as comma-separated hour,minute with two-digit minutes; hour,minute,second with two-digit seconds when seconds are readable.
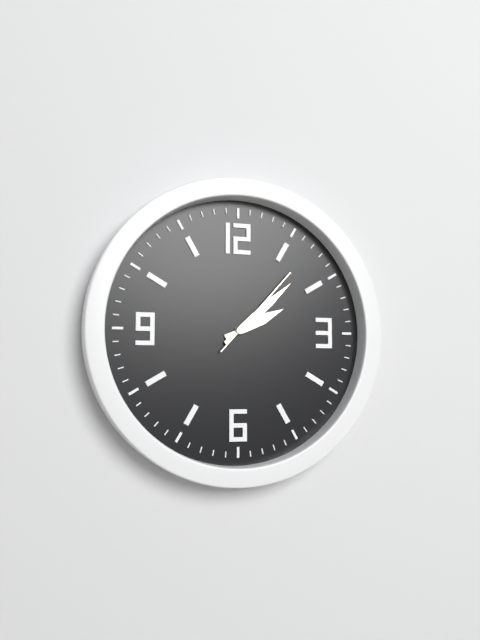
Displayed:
2,08,07
